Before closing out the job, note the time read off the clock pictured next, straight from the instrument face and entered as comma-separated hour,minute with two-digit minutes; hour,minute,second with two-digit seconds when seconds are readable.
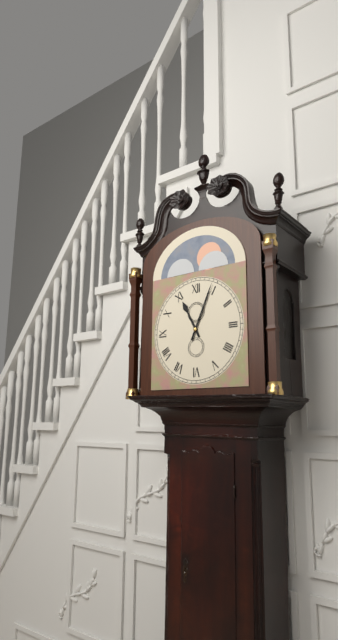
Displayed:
11,04
